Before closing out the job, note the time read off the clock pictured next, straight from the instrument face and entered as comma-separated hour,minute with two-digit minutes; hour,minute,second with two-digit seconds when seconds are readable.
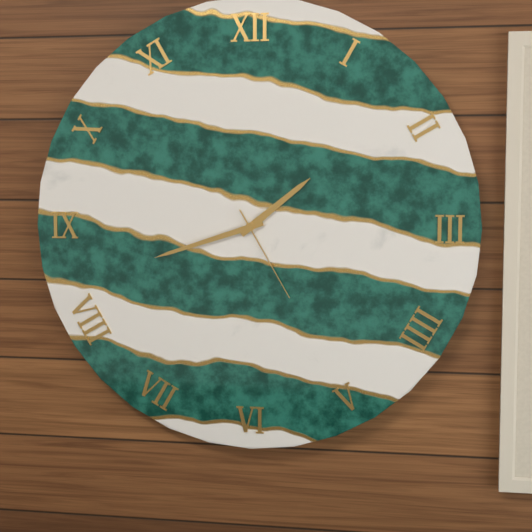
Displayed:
1,42,25
